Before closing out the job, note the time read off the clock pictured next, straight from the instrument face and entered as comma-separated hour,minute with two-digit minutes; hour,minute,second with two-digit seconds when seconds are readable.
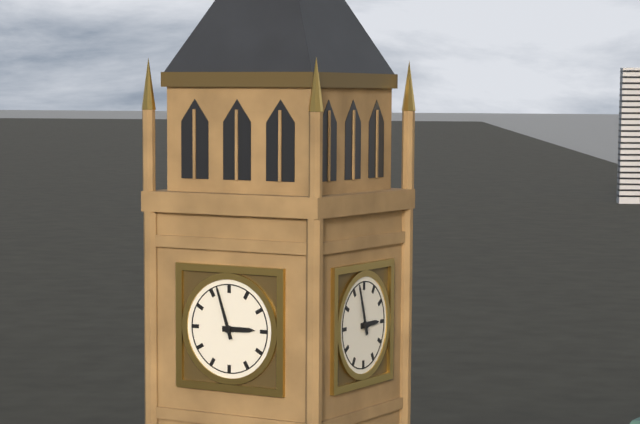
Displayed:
2,57
